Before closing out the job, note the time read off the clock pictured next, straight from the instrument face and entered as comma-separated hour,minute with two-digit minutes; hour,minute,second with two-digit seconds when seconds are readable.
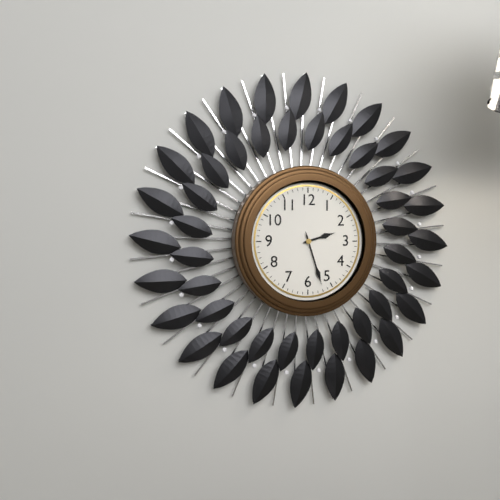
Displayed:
2,27
